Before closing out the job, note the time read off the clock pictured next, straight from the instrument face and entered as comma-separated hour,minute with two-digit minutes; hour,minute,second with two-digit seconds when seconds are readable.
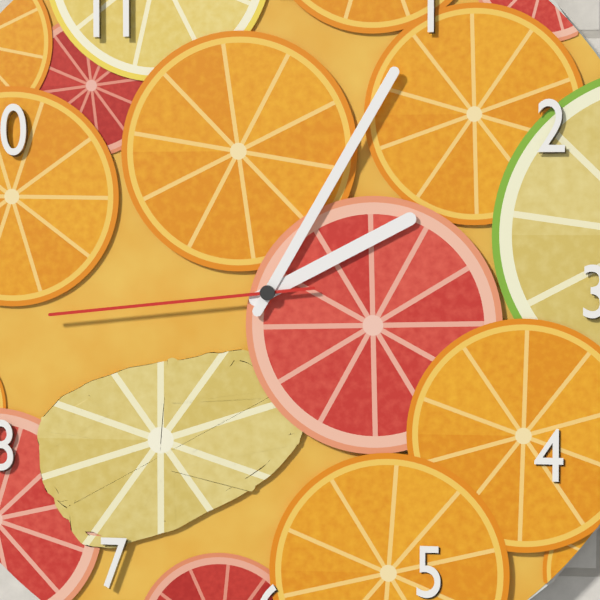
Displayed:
2,05,44
